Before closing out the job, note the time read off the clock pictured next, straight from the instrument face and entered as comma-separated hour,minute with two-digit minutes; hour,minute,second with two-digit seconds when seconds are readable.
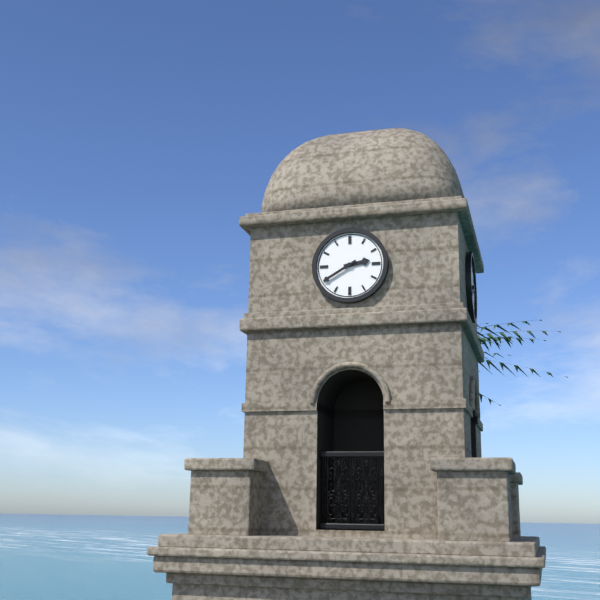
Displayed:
2,40
